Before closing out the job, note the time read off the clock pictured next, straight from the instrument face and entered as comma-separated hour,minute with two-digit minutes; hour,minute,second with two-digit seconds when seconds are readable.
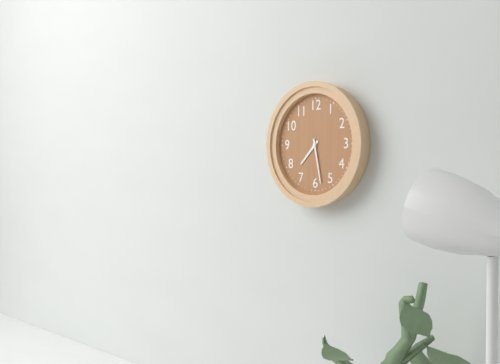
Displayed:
7,28
